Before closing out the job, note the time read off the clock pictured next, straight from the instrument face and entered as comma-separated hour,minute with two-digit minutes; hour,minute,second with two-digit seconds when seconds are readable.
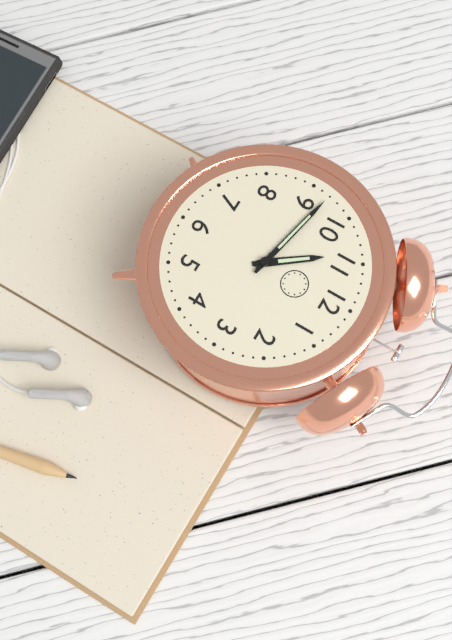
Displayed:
10,47
